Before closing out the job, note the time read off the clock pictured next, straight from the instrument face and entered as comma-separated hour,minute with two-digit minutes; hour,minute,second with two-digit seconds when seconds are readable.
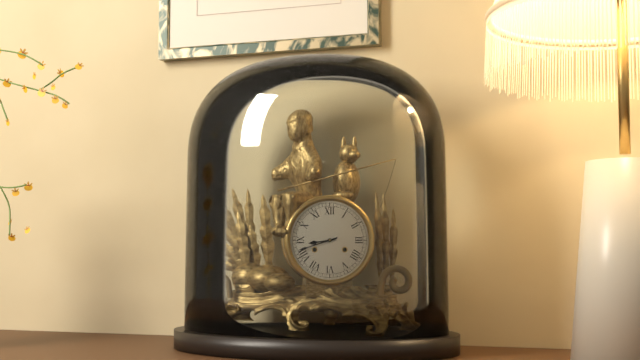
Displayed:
8,42
